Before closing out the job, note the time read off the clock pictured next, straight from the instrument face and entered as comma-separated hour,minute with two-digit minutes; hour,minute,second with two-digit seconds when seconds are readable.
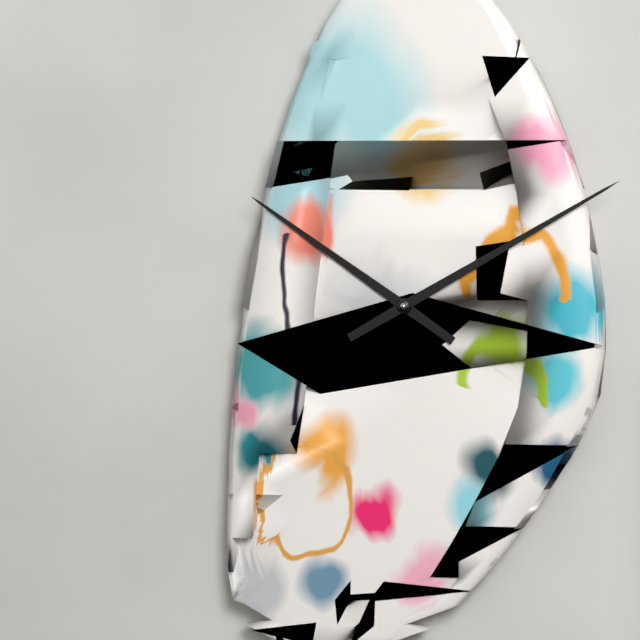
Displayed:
10,10
